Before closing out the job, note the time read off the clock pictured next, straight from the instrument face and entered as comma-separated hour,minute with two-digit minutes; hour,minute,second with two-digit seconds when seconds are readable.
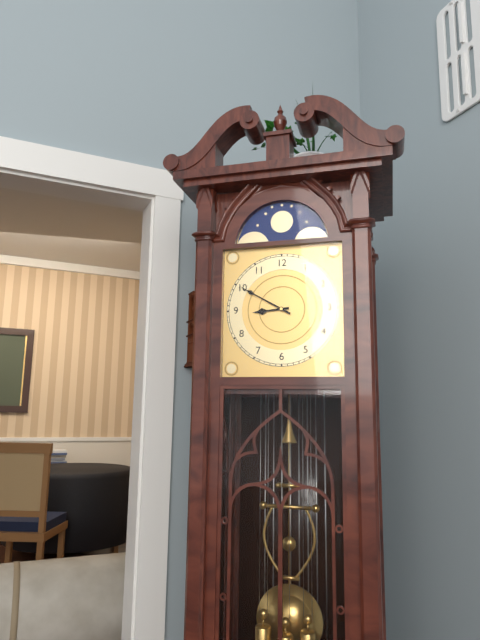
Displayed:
8,50
